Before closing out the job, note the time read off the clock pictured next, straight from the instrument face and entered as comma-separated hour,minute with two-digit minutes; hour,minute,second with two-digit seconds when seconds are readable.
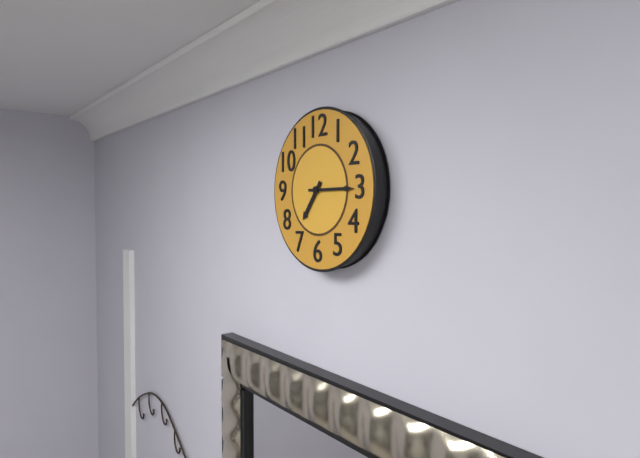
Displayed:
7,15
